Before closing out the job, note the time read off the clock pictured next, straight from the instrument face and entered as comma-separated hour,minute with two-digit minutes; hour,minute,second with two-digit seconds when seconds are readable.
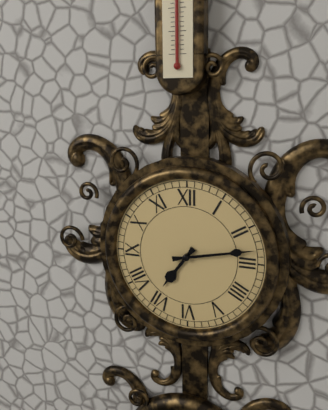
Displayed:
7,13
